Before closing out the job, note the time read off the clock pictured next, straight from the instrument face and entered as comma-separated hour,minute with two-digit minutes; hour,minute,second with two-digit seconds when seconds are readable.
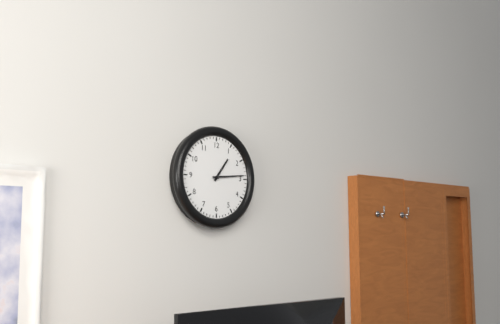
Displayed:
1,14
